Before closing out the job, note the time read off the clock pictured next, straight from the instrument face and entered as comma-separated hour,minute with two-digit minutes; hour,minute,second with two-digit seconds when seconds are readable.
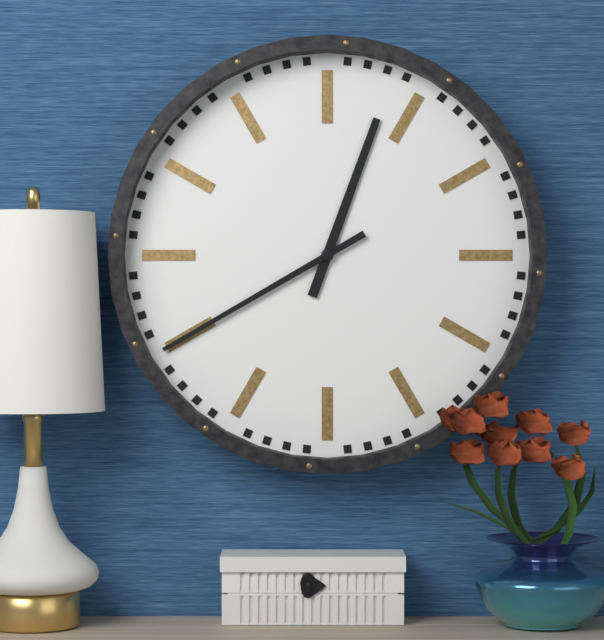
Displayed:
12,40
